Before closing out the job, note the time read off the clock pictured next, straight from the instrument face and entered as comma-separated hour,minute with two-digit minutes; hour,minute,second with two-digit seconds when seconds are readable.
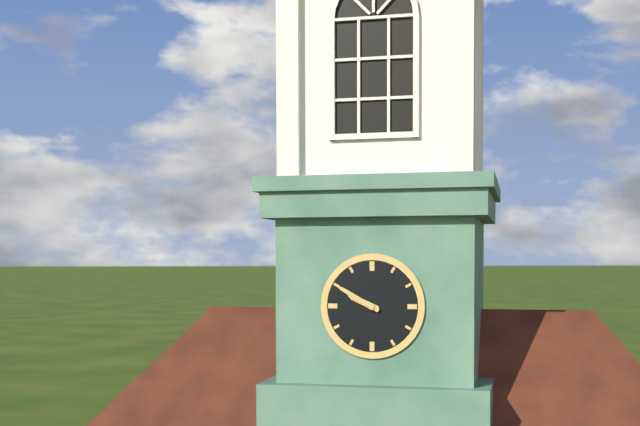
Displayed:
9,50
